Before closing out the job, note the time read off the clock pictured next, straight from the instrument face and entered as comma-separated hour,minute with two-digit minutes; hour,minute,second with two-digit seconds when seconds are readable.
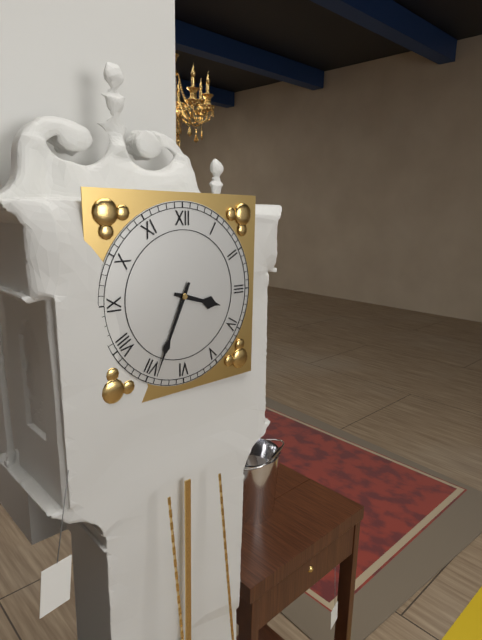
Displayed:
3,34
